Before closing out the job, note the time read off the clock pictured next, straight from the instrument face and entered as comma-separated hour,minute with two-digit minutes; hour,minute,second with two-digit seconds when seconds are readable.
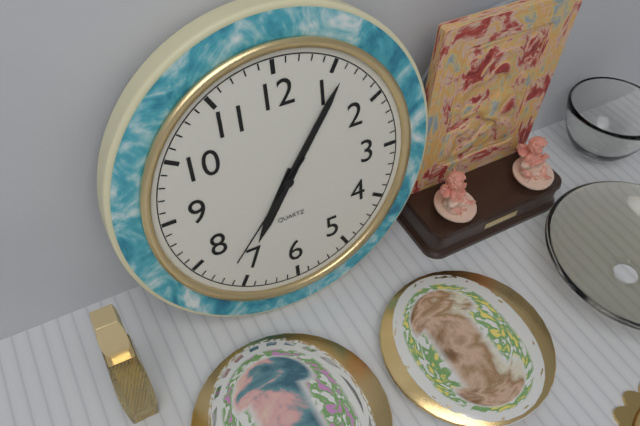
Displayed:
7,06,37
